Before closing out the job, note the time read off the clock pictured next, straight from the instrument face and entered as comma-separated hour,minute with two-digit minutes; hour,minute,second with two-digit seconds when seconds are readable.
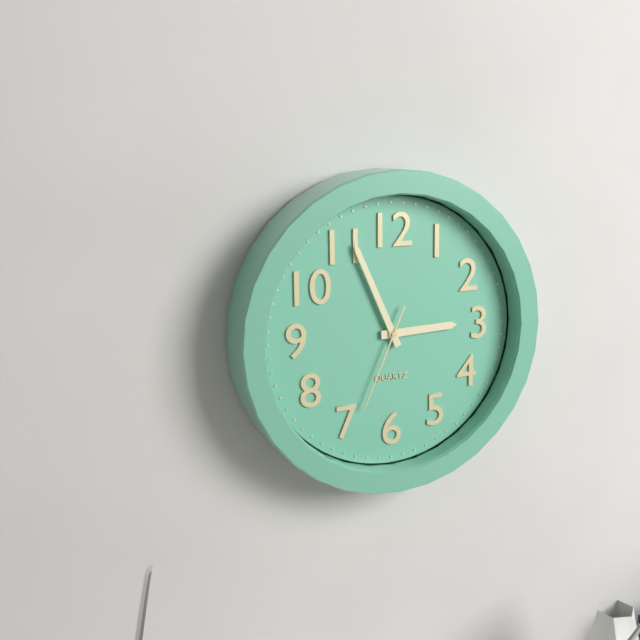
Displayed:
2,56,34
